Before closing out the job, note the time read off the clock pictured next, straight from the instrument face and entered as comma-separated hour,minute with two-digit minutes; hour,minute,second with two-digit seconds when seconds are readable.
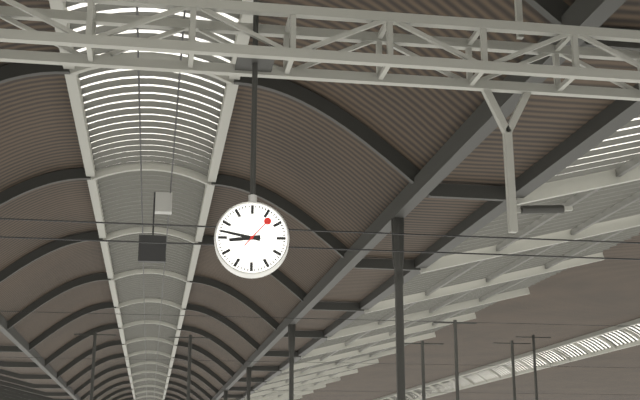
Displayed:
8,47
